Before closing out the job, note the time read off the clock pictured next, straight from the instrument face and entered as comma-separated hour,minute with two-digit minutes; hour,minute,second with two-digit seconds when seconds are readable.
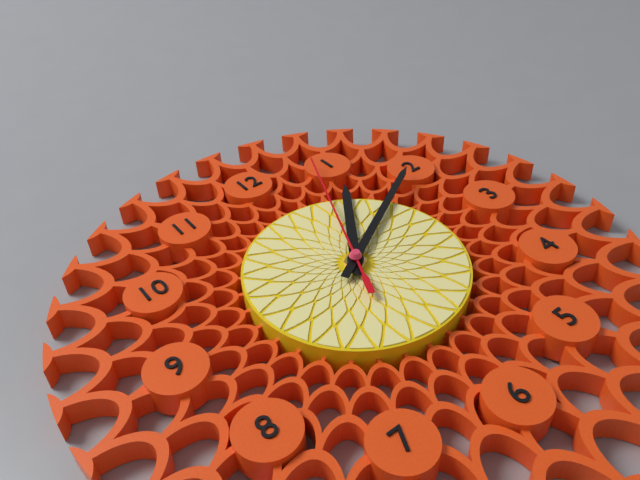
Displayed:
1,10,04
